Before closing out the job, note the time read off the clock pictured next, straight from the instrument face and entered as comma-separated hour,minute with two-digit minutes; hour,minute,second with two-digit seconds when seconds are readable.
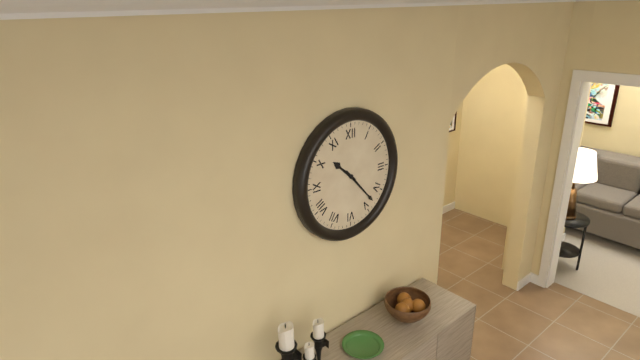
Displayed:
10,23
